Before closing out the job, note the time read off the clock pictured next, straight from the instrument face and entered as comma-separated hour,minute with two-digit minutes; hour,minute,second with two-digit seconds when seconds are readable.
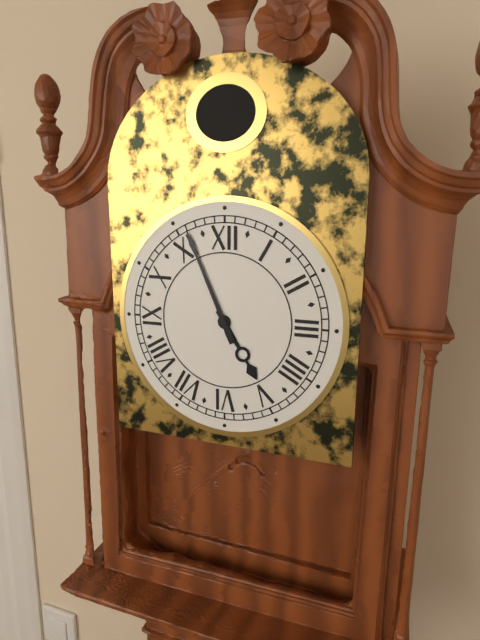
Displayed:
4,56
